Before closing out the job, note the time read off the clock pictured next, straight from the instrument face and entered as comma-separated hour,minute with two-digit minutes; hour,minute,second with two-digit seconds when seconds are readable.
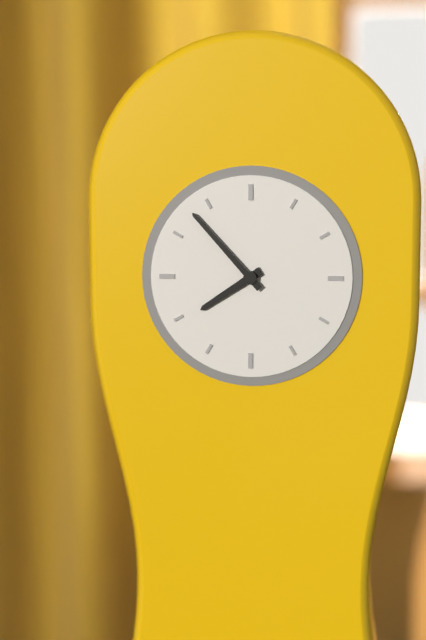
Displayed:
7,53
